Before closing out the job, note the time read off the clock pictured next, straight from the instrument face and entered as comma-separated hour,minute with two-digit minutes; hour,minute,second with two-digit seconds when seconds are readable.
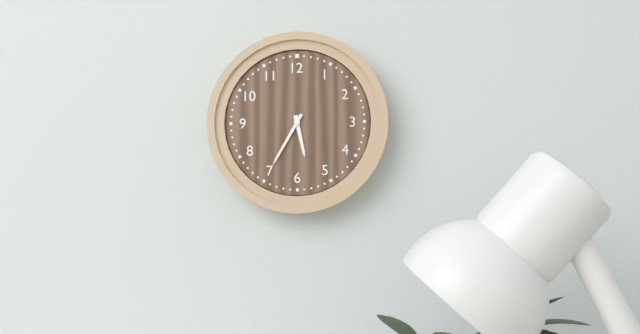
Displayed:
5,35
